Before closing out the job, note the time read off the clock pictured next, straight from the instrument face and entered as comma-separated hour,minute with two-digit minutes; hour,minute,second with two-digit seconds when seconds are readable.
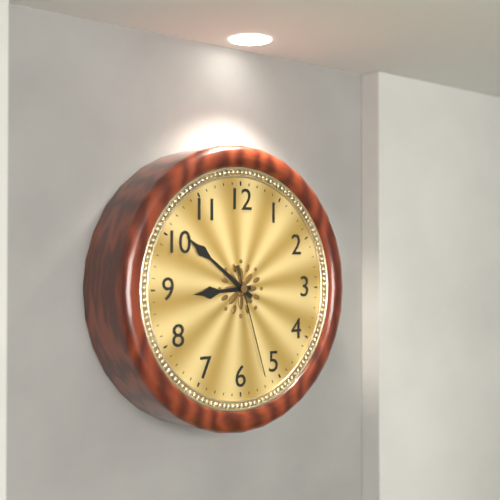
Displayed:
8,51,27
